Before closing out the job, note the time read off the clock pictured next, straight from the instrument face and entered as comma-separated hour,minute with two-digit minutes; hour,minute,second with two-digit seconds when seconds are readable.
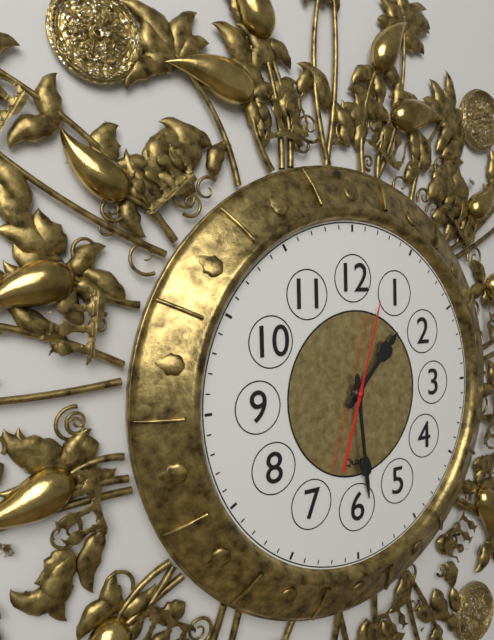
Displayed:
1,29,03
